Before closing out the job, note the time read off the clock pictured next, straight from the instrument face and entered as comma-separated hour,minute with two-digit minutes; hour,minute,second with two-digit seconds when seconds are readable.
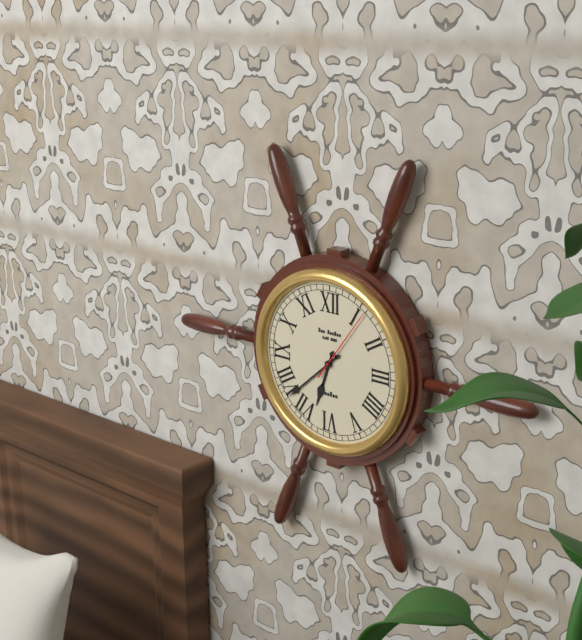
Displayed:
6,38,06
